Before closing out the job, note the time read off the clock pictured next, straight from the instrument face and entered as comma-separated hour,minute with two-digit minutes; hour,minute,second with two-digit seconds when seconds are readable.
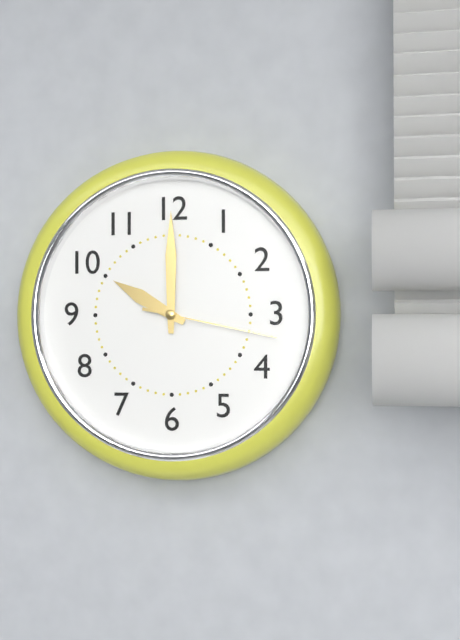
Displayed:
10,00,17
